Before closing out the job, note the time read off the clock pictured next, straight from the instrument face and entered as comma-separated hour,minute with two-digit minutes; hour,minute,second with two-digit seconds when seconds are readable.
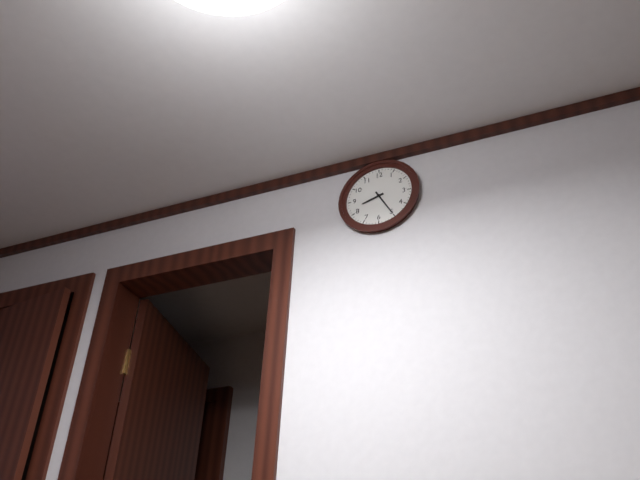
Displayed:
8,25
